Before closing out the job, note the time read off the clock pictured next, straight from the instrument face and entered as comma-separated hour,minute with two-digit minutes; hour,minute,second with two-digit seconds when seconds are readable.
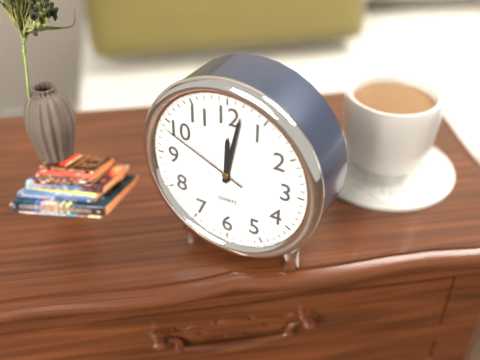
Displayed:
12,02,49
